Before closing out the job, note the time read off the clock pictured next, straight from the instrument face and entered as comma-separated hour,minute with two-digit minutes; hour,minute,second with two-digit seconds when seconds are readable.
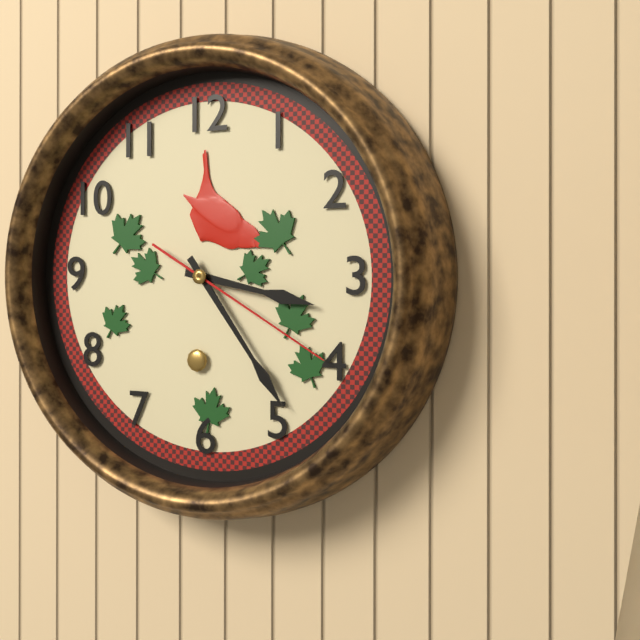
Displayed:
3,24,20
